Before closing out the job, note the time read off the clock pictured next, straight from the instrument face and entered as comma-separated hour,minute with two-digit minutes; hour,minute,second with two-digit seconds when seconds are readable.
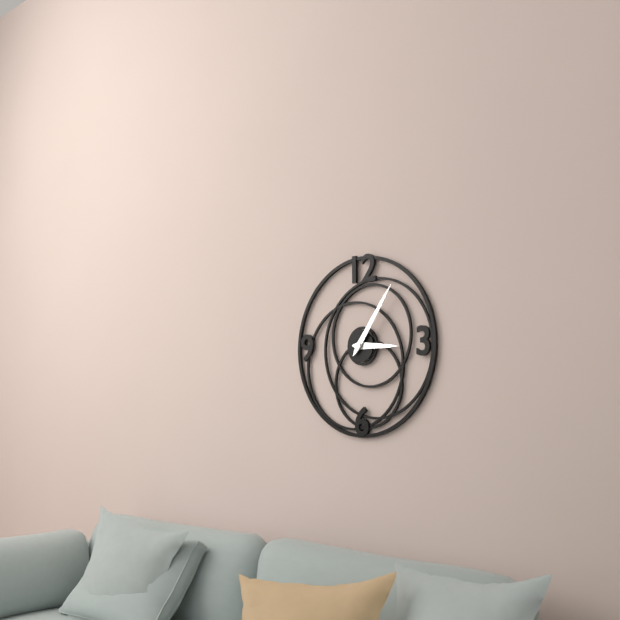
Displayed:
3,06
